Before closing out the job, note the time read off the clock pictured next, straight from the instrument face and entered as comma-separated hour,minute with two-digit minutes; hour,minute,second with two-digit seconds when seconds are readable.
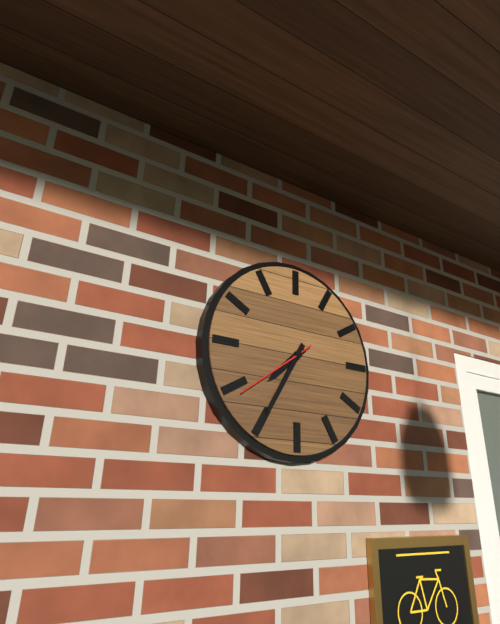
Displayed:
7,35,39
